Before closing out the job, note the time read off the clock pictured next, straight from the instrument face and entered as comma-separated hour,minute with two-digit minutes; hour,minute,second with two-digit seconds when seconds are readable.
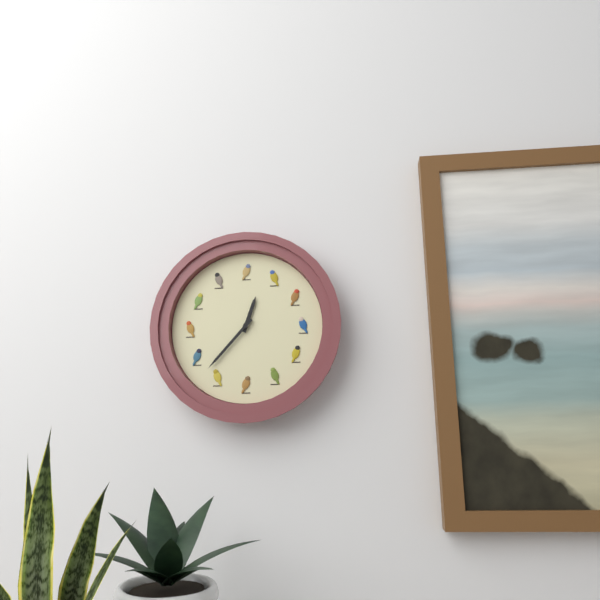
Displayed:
12,37
